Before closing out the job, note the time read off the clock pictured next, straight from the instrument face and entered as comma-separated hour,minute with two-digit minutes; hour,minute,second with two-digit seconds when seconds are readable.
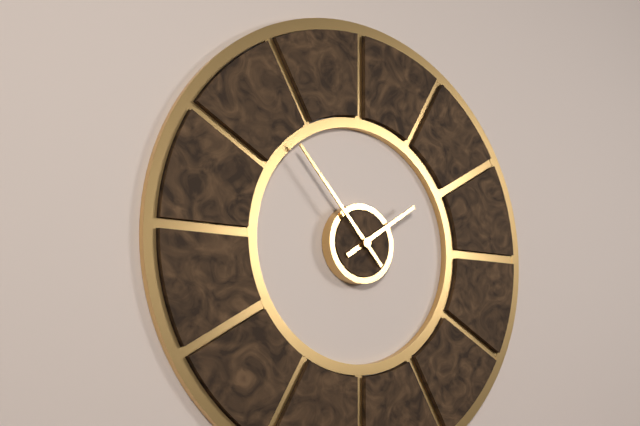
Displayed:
1,53
